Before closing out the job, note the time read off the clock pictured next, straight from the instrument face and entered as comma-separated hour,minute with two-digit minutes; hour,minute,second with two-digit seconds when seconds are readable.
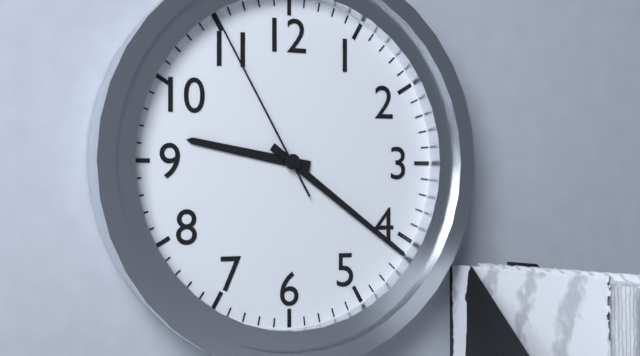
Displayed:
9,21,55
